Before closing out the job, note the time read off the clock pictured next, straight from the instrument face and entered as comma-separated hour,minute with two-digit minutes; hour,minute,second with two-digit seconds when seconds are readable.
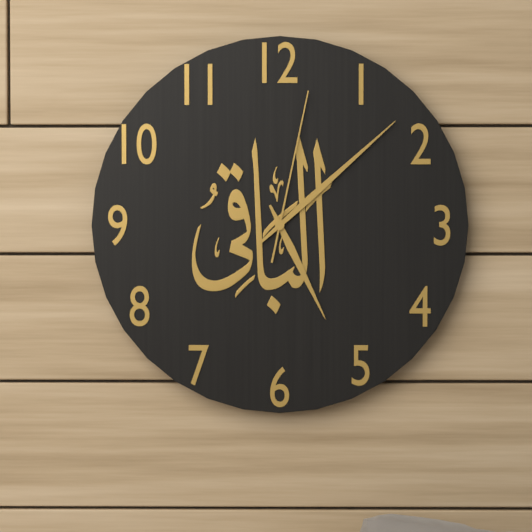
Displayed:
5,08,02
